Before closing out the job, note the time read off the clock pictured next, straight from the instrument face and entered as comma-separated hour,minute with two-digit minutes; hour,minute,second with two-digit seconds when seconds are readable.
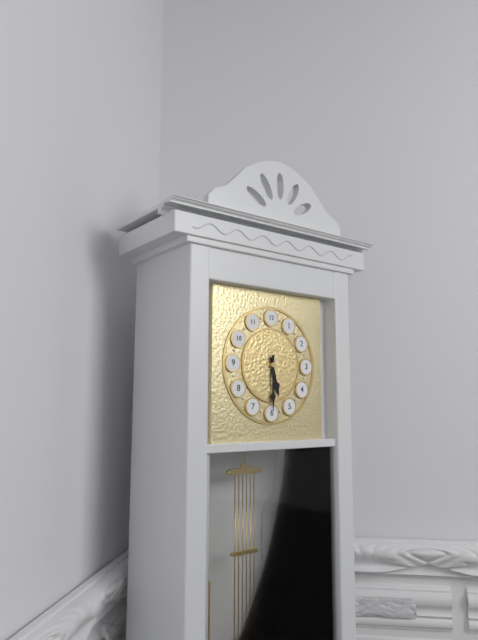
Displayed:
5,30
